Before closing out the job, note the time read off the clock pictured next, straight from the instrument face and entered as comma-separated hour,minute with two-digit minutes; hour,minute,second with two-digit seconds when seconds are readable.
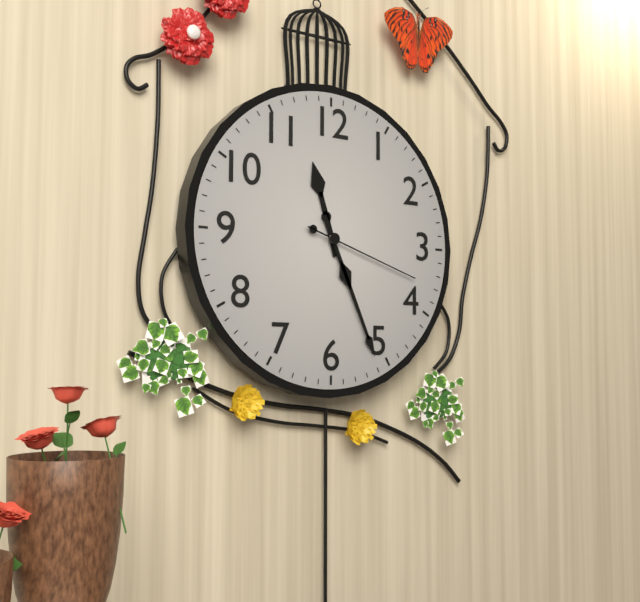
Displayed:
11,26,18
